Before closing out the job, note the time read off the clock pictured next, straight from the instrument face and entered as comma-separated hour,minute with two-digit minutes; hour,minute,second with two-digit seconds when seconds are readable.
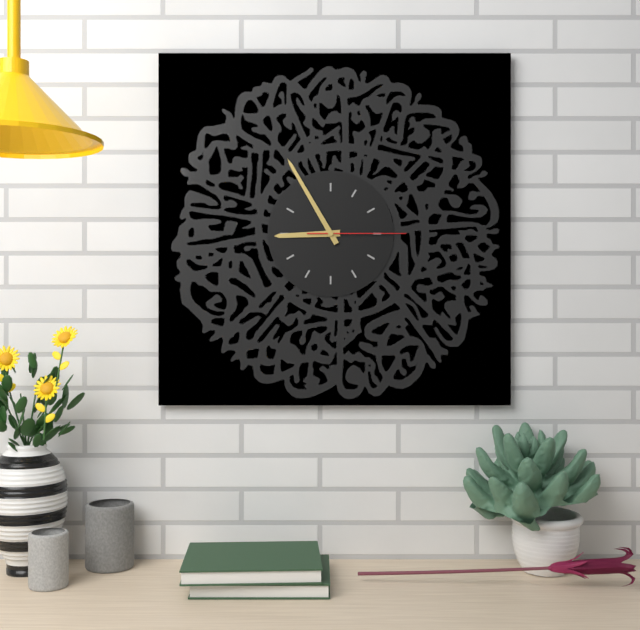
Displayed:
8,55,15
